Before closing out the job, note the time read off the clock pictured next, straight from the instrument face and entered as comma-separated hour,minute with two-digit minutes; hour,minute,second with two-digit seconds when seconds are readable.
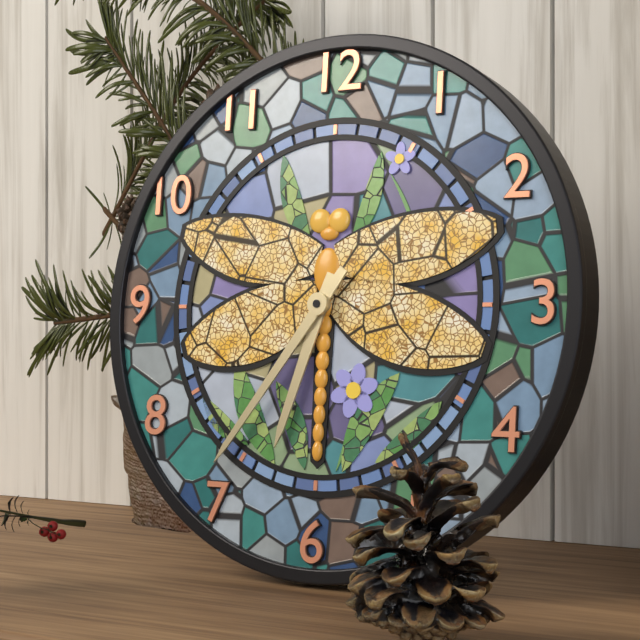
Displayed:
6,36
